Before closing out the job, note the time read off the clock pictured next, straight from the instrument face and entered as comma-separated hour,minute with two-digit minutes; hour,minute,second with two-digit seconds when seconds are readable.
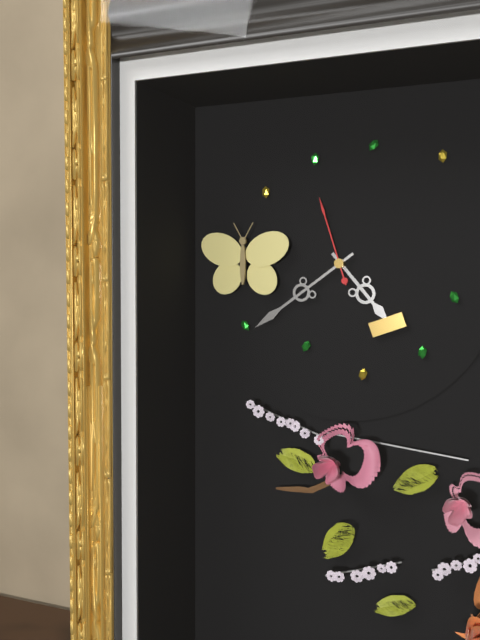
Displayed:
4,39,57
